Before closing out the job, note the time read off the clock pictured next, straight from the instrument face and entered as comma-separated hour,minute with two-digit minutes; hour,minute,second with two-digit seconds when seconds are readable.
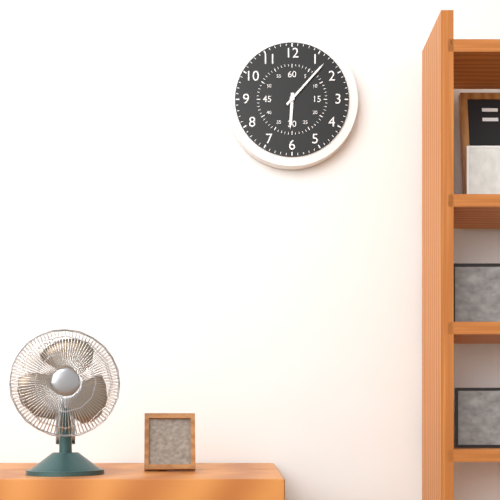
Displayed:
6,07
